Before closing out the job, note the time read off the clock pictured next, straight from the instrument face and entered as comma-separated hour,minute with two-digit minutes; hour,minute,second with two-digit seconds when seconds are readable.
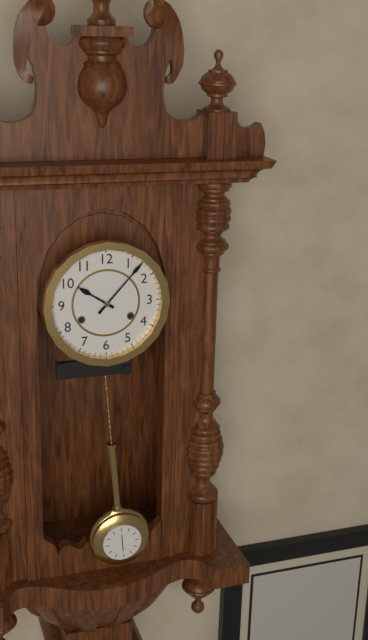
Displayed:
10,07
